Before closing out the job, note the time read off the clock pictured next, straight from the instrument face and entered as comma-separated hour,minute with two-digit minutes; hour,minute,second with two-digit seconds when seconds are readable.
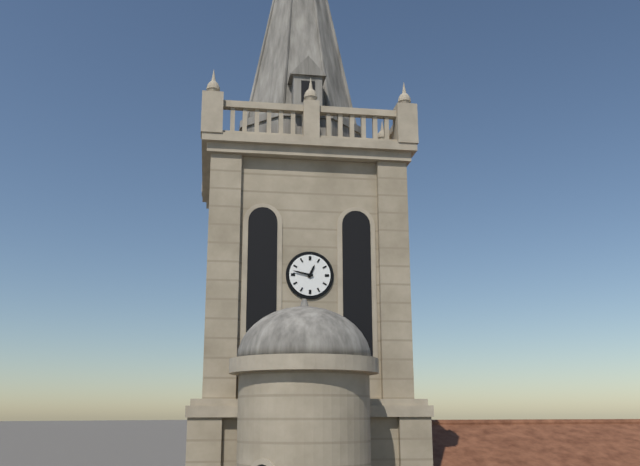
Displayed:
12,47
